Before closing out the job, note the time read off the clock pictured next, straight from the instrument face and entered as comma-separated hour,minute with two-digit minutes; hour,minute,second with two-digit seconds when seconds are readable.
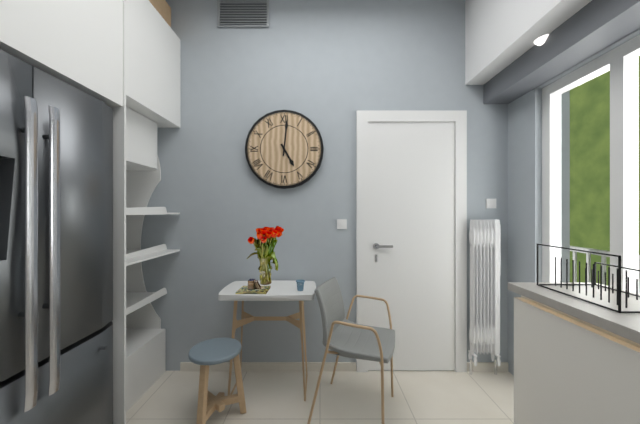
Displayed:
5,01
